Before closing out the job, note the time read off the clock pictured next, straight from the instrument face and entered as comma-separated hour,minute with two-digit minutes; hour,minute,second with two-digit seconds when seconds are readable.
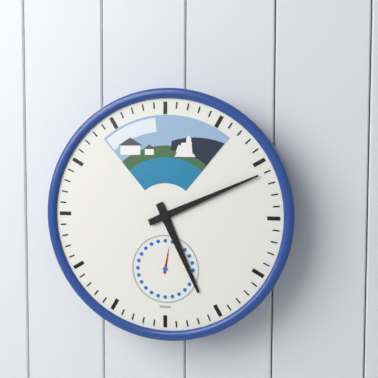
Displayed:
5,11
